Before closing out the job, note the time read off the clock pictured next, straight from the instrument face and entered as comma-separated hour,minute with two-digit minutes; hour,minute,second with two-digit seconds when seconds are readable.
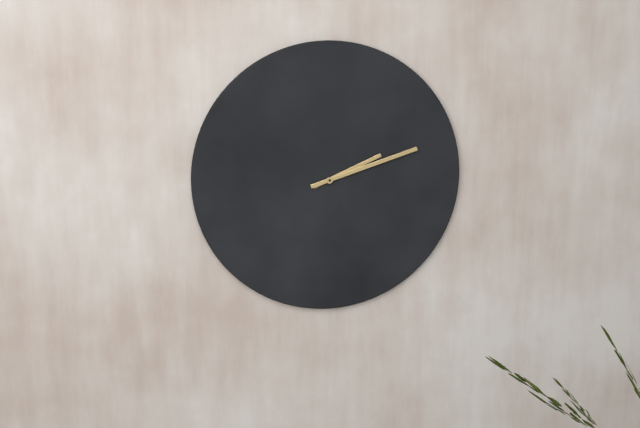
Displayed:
2,12
